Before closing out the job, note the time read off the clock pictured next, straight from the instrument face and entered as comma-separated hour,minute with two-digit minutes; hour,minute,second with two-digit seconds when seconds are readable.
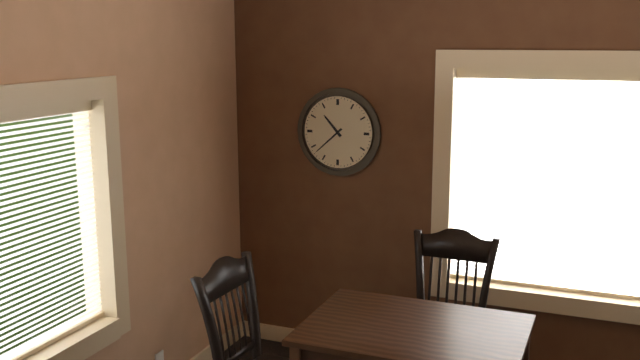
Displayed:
10,38
